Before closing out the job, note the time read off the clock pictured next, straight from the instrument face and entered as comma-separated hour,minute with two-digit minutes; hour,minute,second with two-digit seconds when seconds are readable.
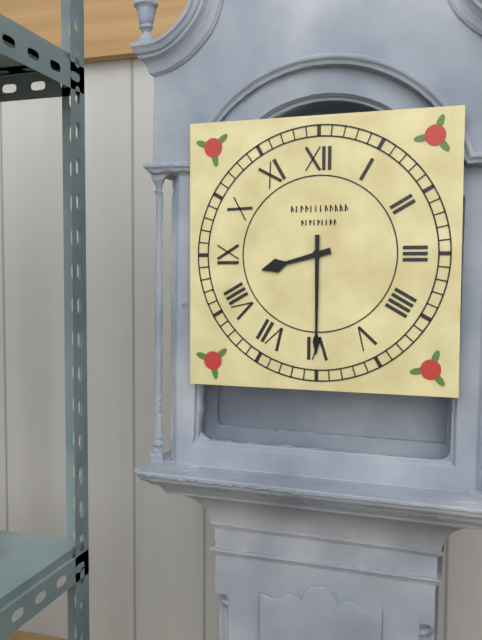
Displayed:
8,30
